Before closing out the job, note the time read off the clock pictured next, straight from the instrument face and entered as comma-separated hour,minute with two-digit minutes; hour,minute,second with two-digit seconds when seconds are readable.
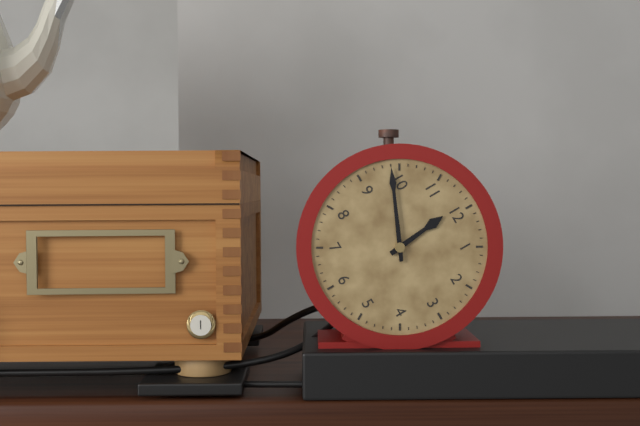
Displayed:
11,49
